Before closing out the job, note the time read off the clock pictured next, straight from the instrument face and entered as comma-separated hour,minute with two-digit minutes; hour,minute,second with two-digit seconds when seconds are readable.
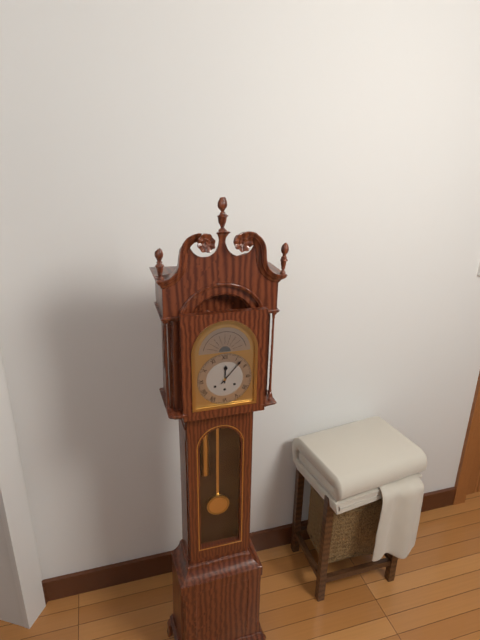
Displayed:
12,07
